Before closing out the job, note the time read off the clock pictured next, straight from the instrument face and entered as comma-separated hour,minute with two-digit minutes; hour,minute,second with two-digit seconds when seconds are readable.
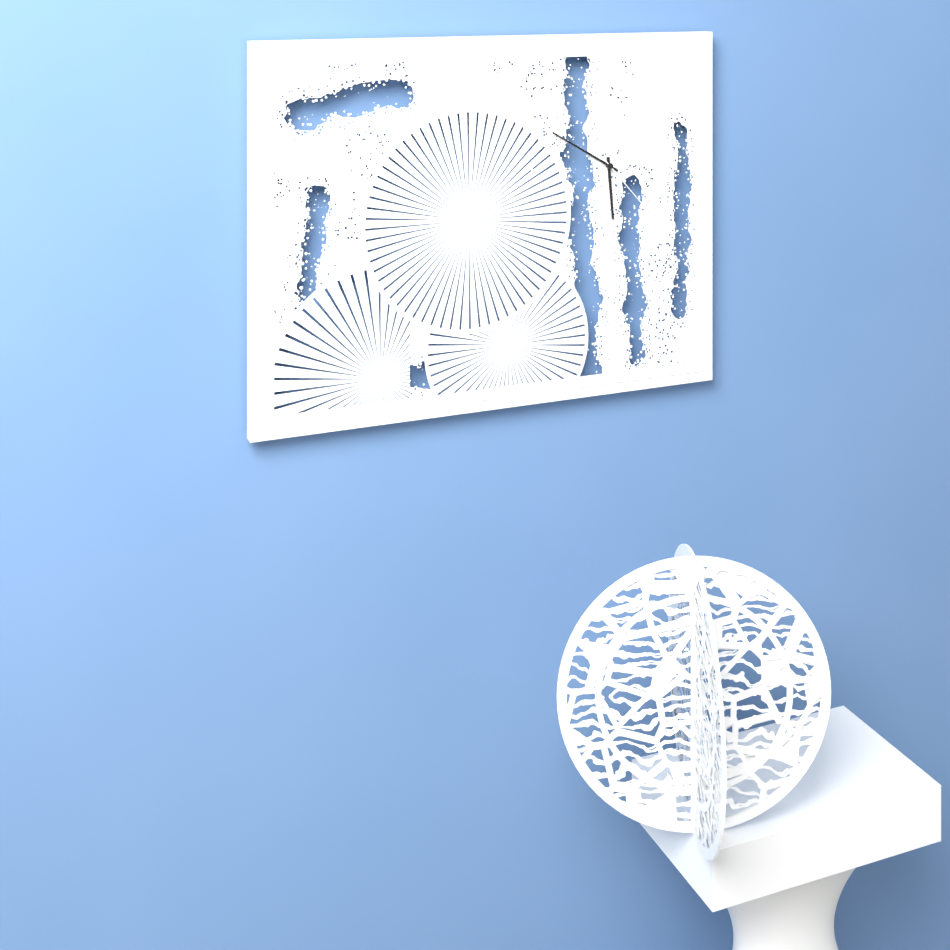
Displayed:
5,50,23
